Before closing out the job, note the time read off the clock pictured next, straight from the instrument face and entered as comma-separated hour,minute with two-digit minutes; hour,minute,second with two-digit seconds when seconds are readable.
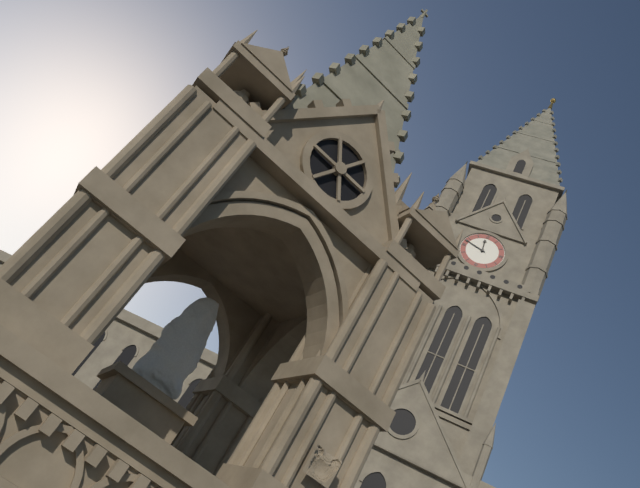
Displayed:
11,48
